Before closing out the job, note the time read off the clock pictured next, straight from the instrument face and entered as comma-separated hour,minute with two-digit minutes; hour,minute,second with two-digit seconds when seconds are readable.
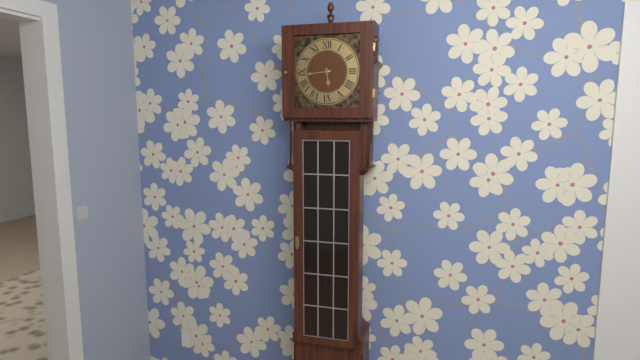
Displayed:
5,44
